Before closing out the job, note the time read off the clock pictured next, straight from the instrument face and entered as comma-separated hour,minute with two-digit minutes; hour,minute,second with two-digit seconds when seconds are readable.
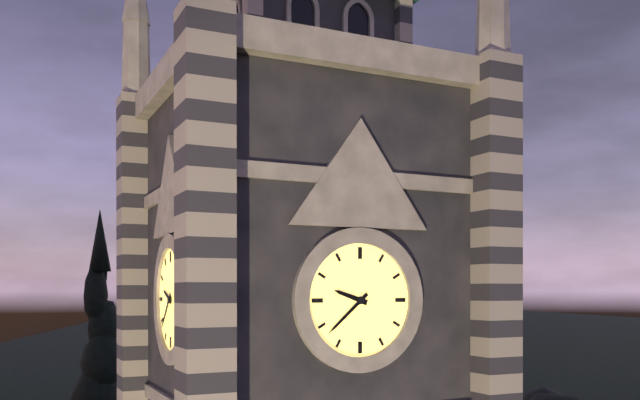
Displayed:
9,38
